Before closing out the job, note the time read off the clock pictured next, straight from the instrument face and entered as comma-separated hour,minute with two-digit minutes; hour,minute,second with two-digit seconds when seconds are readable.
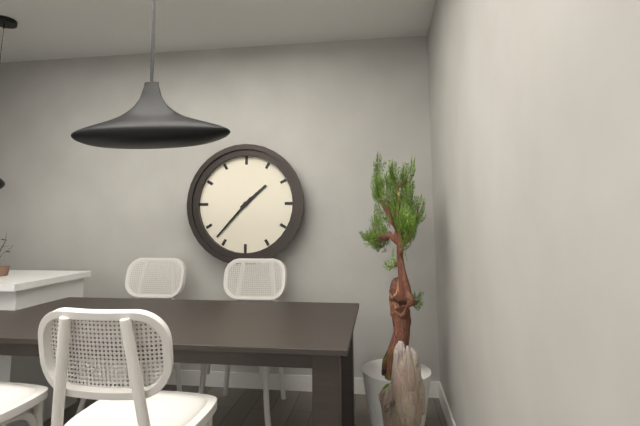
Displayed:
1,37
